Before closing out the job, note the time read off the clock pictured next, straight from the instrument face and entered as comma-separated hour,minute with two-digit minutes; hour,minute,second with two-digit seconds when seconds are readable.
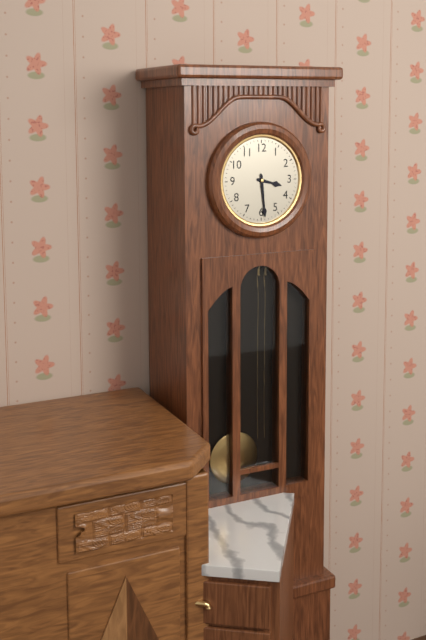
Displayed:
3,29
